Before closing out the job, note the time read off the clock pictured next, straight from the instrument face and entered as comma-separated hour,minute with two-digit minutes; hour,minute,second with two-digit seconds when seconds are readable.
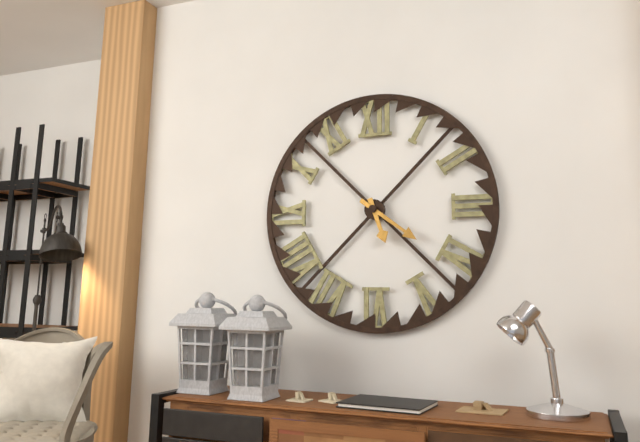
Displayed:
5,21
